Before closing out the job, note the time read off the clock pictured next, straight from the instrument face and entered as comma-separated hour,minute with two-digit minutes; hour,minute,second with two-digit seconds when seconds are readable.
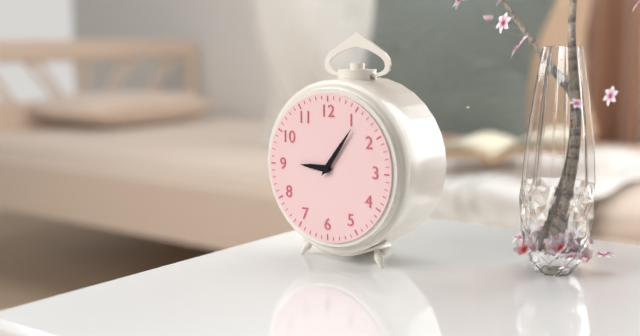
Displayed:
9,06
